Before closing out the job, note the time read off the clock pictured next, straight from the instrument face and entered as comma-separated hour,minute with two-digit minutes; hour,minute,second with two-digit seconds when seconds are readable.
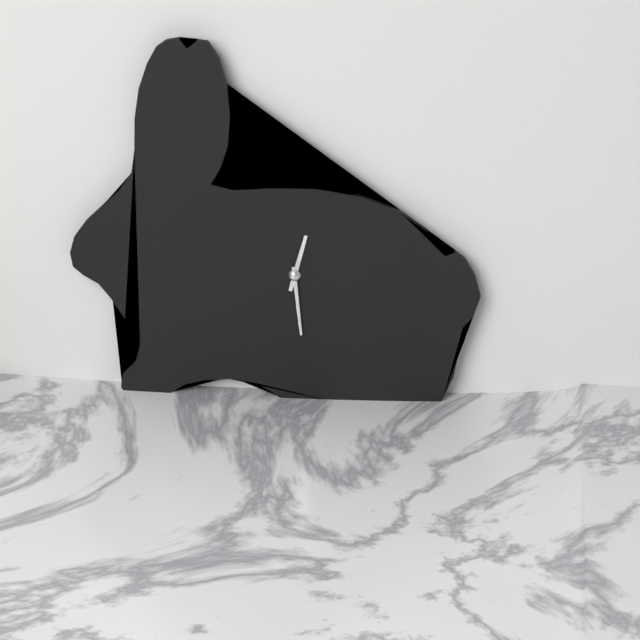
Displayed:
12,29
